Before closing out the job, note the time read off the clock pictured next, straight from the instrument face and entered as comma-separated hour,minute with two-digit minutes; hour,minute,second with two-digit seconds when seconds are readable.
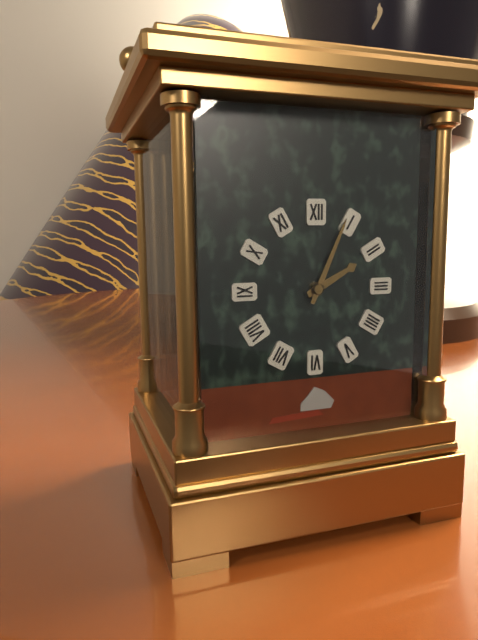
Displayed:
2,04
